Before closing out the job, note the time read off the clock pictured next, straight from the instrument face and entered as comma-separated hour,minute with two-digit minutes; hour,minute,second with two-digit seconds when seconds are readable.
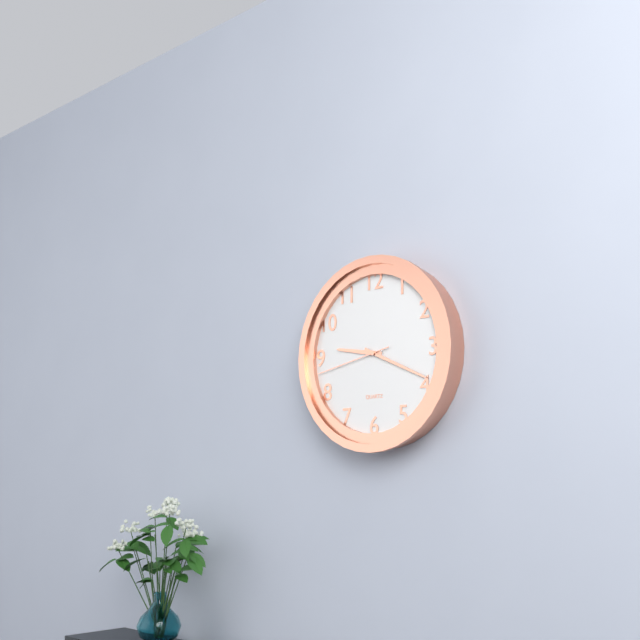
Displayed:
9,19,43
